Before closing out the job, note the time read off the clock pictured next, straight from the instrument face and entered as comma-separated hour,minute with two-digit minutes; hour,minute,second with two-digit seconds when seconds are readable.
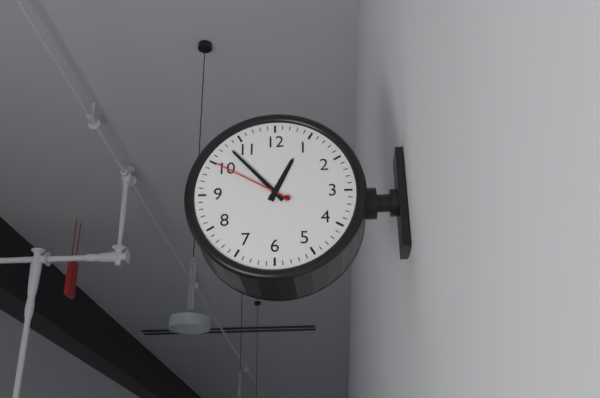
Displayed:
12,53,50
